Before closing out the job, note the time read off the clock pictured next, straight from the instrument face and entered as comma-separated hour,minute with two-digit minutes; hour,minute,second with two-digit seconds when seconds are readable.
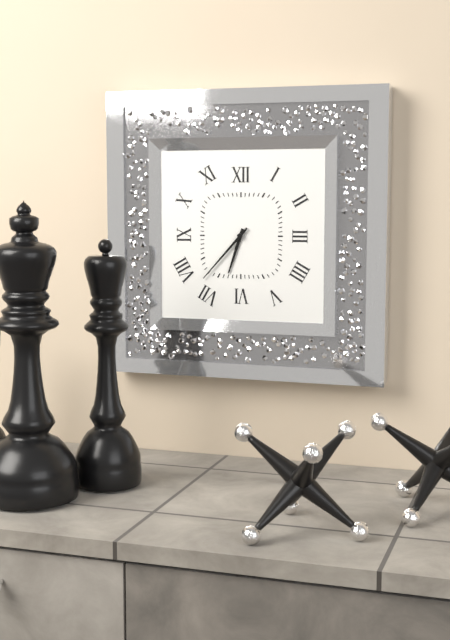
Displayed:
6,37
